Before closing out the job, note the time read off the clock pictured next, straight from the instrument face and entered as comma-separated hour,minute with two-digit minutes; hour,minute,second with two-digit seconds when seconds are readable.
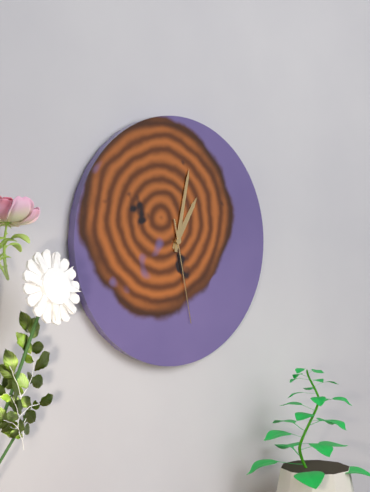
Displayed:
1,02,28
